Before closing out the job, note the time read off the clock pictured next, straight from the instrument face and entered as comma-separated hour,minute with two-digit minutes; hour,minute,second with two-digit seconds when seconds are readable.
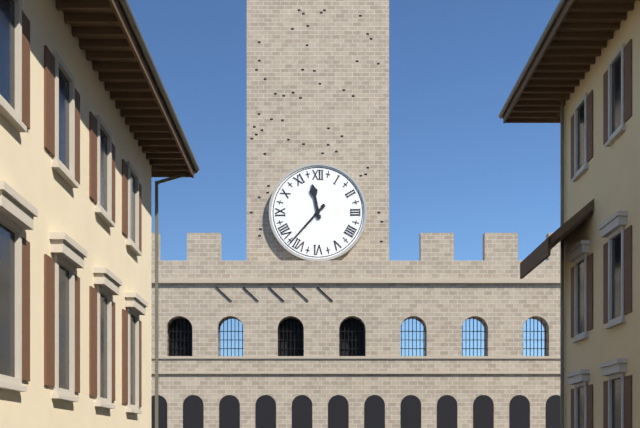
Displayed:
11,37
